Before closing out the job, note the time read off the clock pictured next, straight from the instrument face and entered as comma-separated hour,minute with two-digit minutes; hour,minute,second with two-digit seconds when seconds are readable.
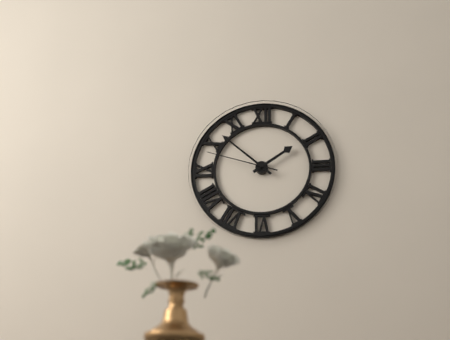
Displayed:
1,52,48
